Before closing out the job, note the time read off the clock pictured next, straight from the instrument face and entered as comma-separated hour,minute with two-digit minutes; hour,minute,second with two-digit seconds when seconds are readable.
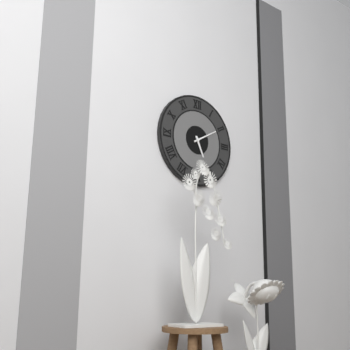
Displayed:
5,10
